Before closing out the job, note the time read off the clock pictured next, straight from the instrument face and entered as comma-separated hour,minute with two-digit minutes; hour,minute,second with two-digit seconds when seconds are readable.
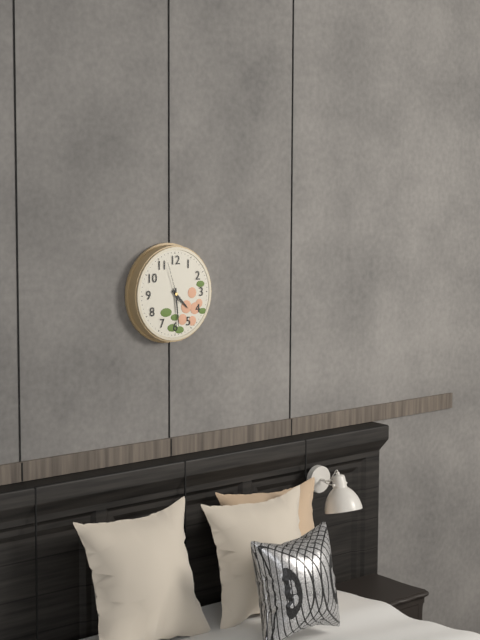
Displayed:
4,29
